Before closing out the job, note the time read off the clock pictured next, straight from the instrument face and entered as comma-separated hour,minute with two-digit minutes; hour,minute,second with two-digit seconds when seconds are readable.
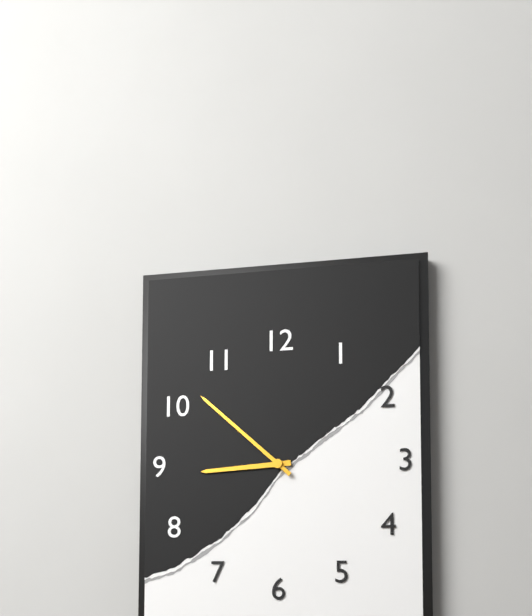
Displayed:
8,52
